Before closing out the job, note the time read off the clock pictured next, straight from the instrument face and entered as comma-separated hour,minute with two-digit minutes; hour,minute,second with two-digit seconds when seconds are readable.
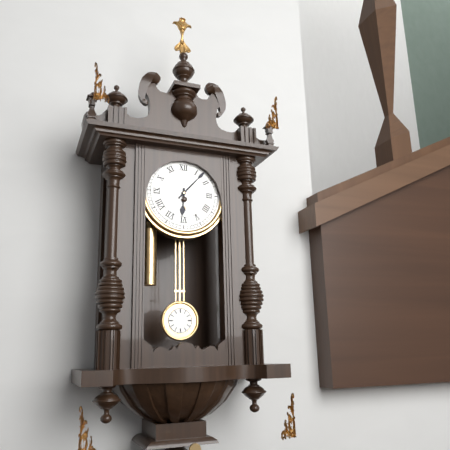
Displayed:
6,07
